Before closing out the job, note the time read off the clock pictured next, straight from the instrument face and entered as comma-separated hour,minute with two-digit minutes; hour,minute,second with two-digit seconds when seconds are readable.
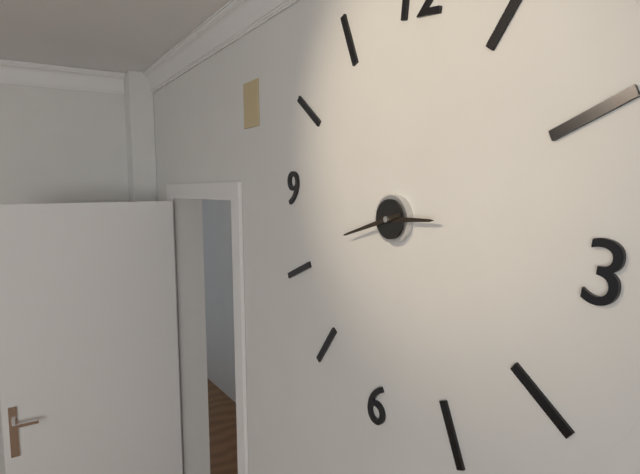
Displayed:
2,41
